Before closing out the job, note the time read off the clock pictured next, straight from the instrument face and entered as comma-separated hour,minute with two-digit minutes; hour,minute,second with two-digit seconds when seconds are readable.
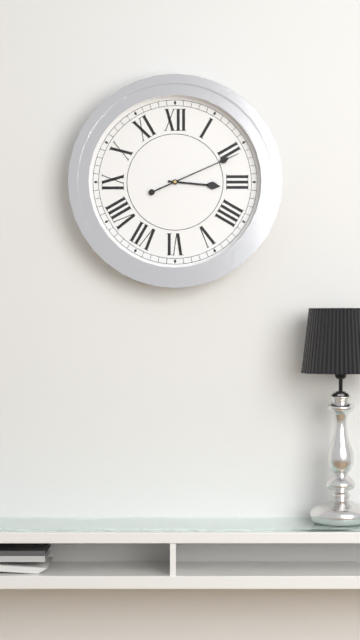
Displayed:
3,11
